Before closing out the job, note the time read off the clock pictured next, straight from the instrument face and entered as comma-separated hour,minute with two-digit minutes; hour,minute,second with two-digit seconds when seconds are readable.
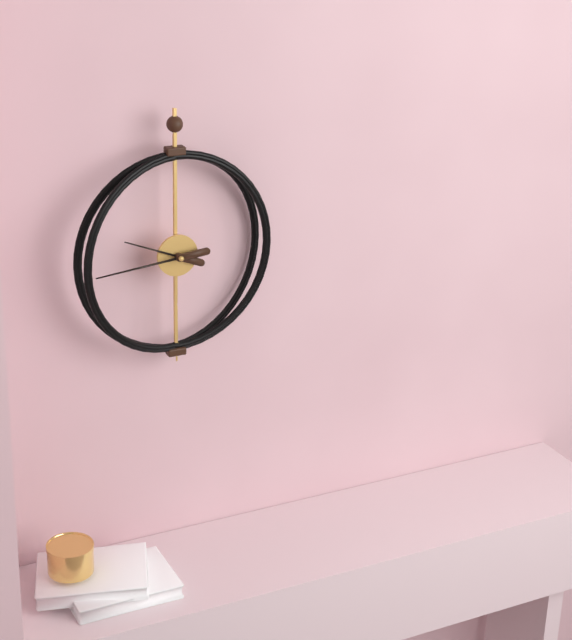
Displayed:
9,44
